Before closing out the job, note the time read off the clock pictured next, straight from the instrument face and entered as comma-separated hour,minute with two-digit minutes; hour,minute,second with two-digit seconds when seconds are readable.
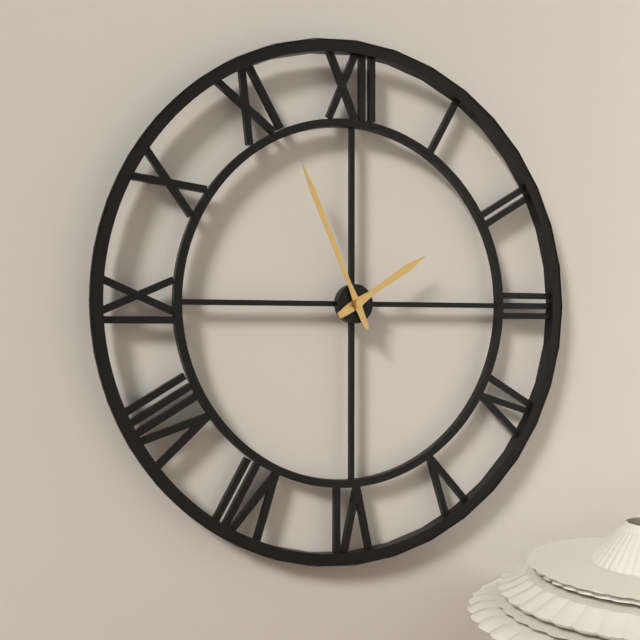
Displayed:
1,56
